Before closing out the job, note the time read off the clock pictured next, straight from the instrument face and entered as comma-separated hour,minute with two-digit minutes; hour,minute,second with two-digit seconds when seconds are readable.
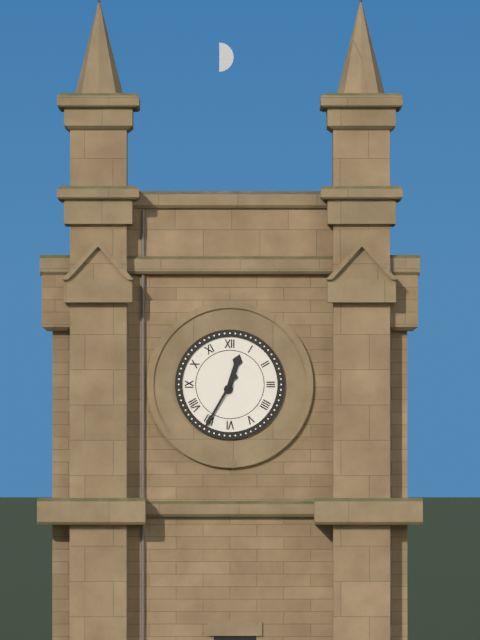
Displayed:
12,35
